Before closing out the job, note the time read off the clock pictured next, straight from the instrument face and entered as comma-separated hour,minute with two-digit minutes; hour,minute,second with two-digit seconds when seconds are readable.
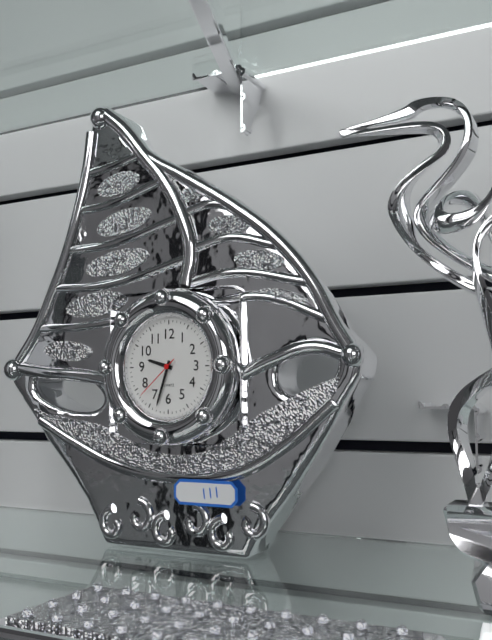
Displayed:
9,33
